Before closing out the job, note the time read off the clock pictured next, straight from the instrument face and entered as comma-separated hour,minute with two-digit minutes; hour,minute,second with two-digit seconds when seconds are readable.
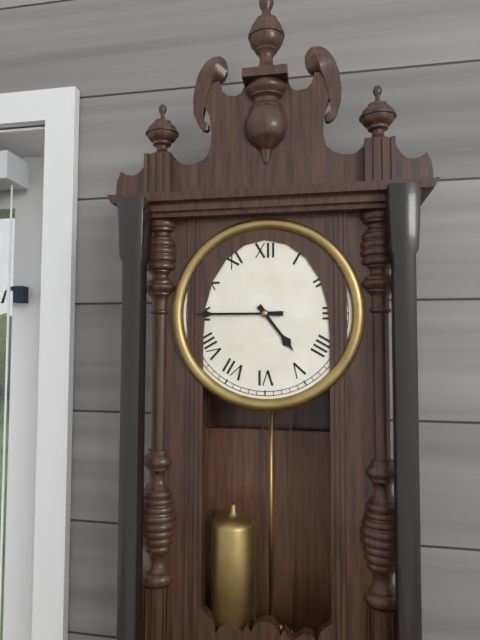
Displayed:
4,45
